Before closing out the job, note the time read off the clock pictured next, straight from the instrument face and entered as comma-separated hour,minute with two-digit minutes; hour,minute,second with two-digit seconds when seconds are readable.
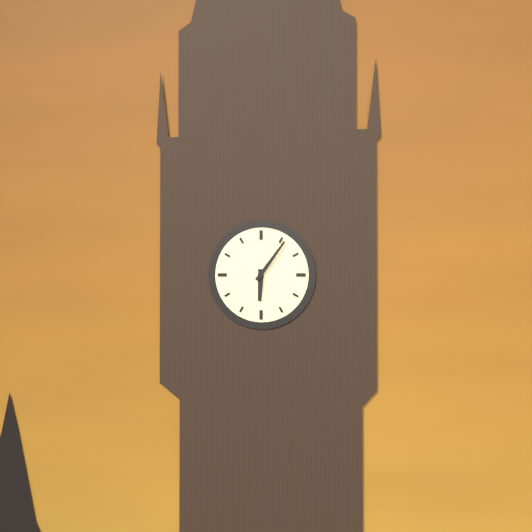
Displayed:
6,06
